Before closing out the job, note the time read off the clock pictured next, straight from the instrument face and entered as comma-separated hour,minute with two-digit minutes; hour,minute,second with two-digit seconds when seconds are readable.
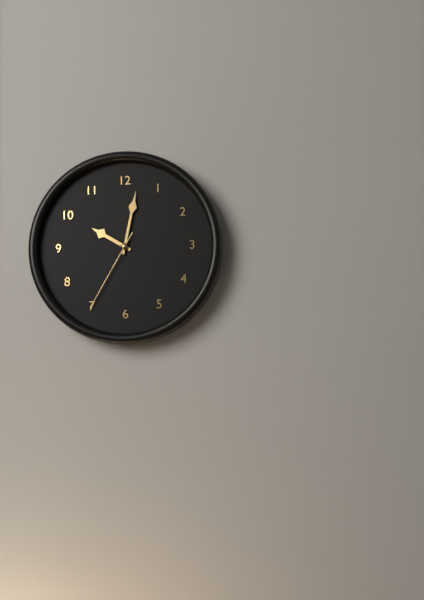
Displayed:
10,02,35
